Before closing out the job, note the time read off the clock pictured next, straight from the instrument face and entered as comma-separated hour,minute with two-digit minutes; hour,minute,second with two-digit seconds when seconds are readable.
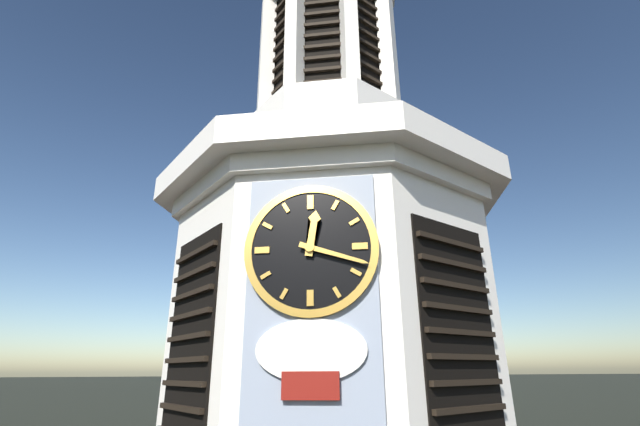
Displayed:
12,18
